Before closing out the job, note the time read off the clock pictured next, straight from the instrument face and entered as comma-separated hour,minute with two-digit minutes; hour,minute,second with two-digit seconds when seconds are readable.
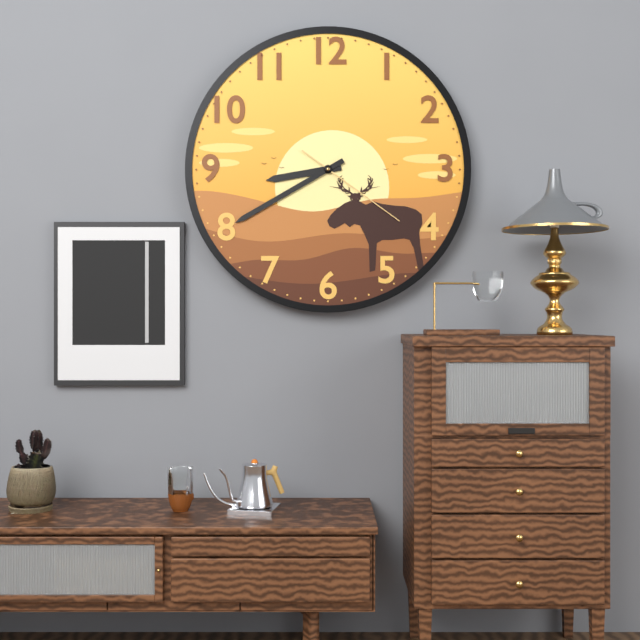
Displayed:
8,40,21
